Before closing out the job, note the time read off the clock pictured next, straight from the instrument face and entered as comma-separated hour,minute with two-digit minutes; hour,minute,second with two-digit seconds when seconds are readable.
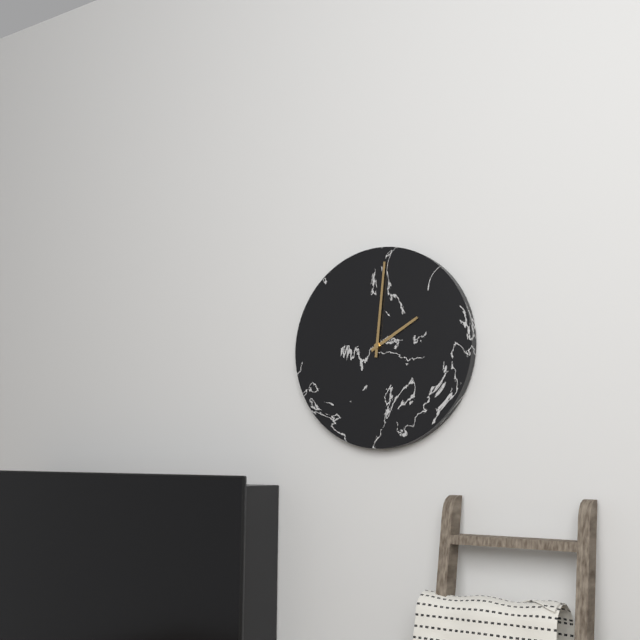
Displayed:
2,01
